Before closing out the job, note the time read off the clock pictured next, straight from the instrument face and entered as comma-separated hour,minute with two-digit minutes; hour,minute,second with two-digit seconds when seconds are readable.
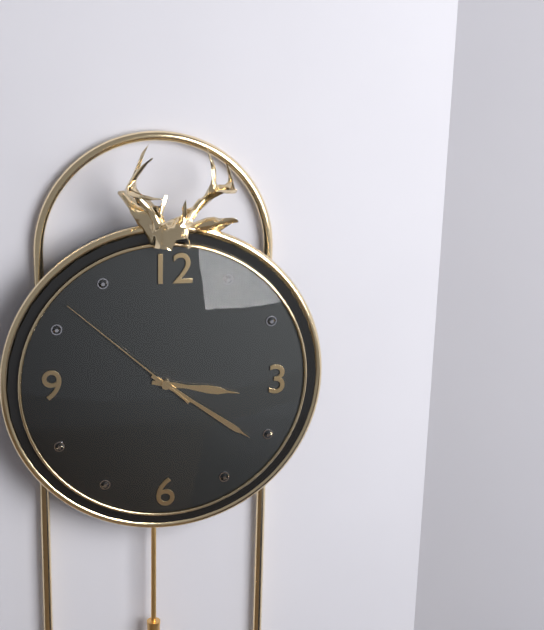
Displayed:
3,21,52
